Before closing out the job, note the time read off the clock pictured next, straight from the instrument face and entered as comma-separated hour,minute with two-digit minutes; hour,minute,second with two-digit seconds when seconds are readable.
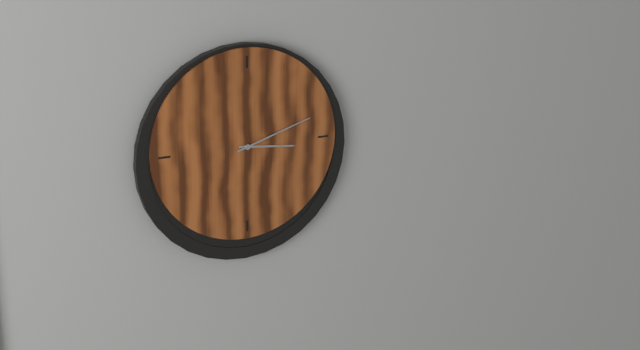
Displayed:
3,12
